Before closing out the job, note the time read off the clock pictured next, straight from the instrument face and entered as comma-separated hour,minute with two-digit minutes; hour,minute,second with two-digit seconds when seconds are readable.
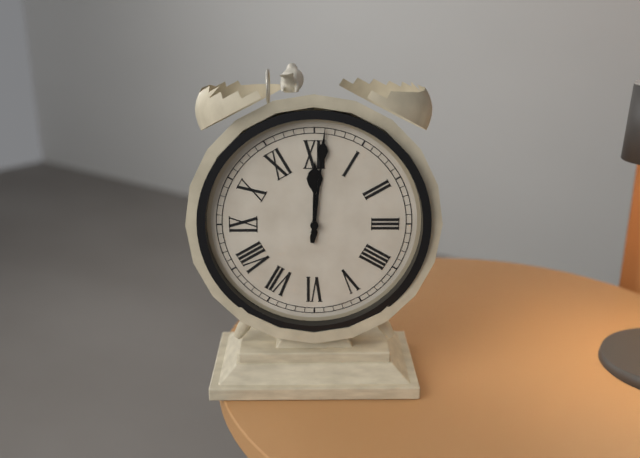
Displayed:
12,01
